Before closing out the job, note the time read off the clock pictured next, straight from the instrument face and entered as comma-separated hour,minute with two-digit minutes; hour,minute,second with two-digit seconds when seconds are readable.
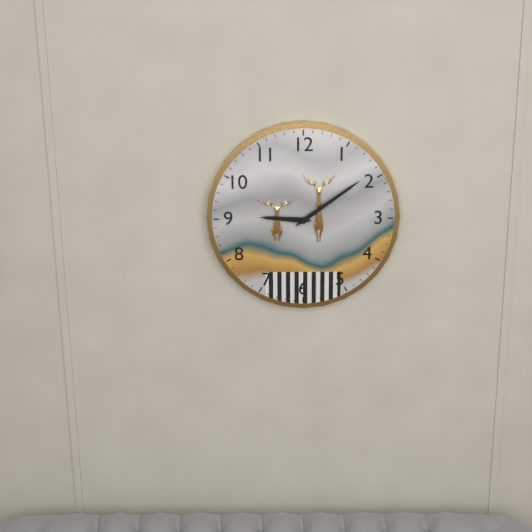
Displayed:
9,09
